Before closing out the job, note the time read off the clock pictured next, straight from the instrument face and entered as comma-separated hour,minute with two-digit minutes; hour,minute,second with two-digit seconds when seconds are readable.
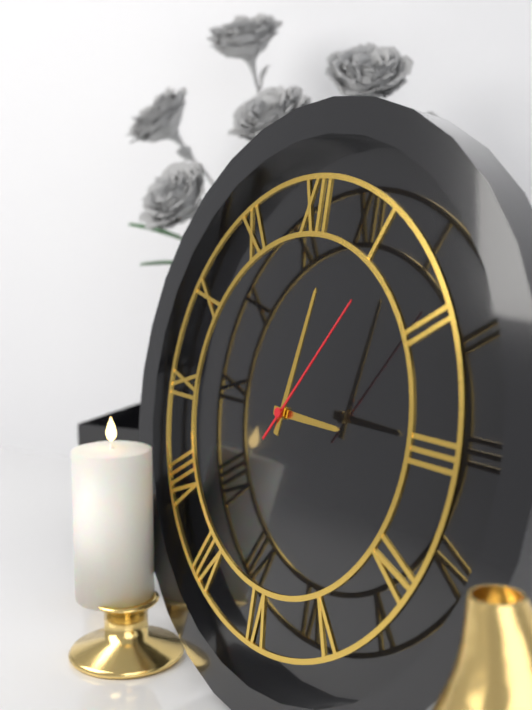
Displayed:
3,02,06
